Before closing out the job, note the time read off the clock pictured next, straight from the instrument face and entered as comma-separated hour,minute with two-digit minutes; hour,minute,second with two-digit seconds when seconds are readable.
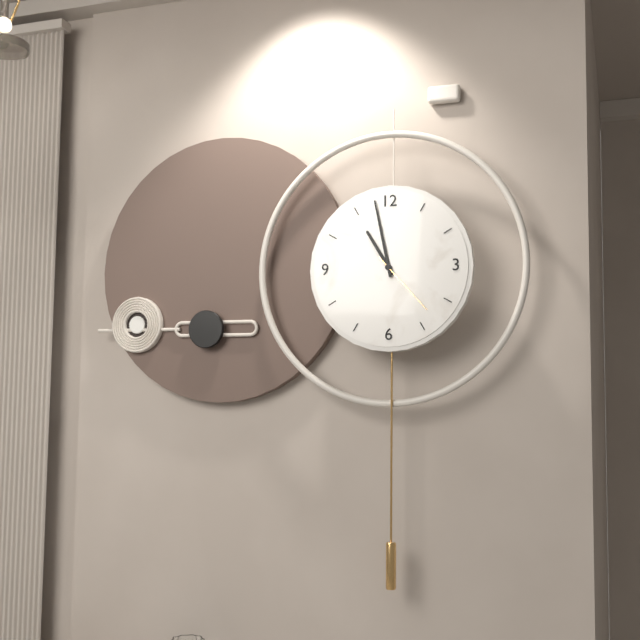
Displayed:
10,58,23
